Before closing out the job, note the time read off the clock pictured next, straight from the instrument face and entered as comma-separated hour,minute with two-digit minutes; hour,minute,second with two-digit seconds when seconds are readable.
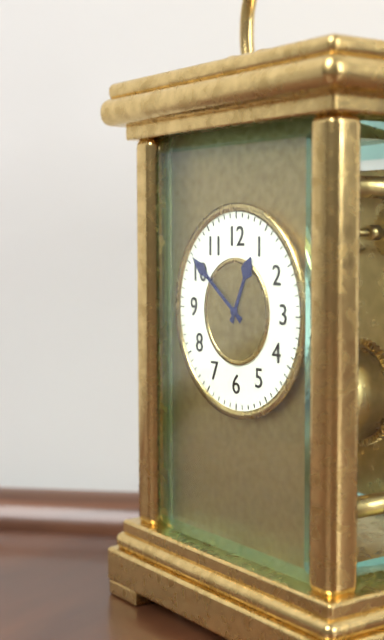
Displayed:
12,51
